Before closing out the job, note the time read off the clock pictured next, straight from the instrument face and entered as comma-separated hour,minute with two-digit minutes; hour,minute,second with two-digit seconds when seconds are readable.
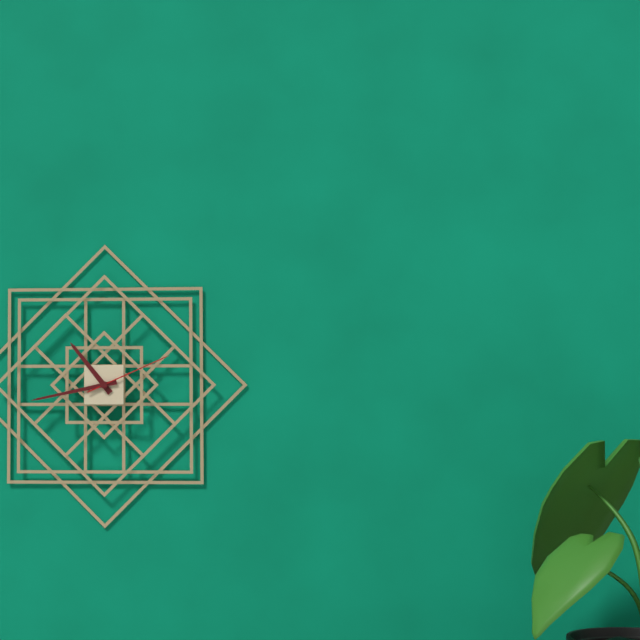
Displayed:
10,43,11
